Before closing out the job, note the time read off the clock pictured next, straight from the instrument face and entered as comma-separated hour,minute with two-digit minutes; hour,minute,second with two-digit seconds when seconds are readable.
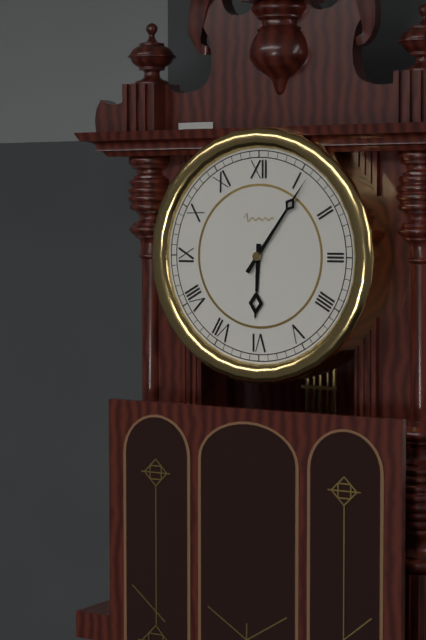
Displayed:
6,06
